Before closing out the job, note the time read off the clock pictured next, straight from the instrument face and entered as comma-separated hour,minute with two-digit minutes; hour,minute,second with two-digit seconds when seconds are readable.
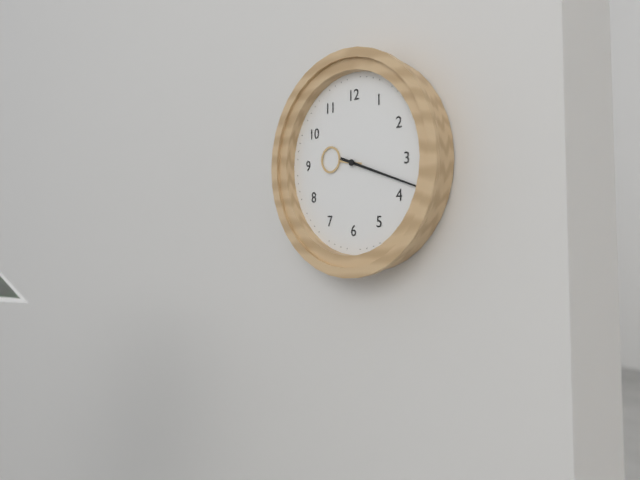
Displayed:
9,18
